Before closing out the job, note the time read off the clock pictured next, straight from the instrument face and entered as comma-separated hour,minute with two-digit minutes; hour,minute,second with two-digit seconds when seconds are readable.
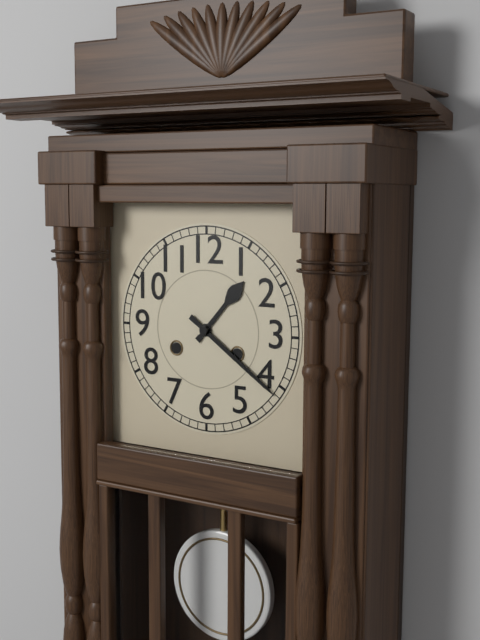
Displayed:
1,21
